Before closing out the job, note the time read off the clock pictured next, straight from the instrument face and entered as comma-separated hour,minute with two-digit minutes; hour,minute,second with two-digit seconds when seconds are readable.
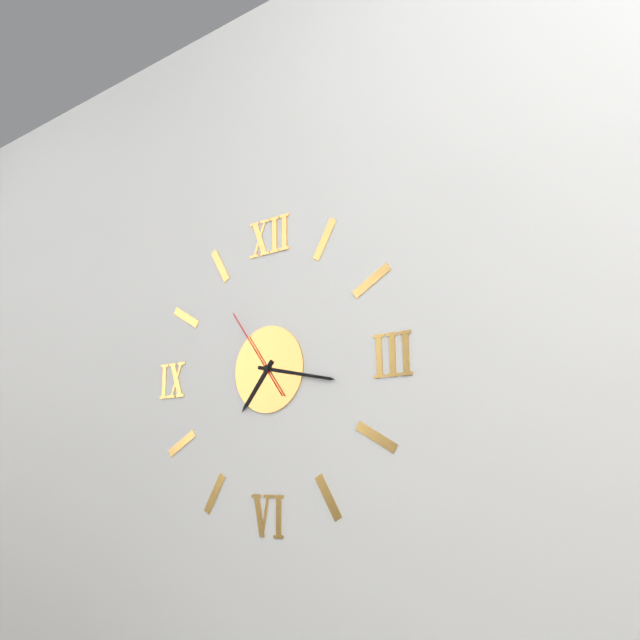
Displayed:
7,17,54
